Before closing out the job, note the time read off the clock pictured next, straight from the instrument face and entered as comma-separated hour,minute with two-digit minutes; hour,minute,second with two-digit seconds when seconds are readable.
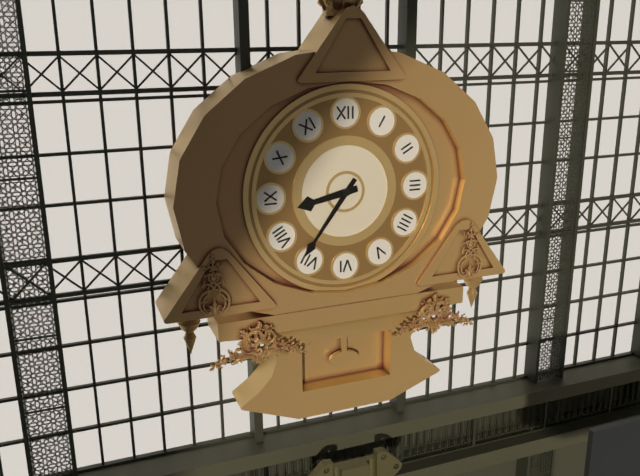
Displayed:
8,36
